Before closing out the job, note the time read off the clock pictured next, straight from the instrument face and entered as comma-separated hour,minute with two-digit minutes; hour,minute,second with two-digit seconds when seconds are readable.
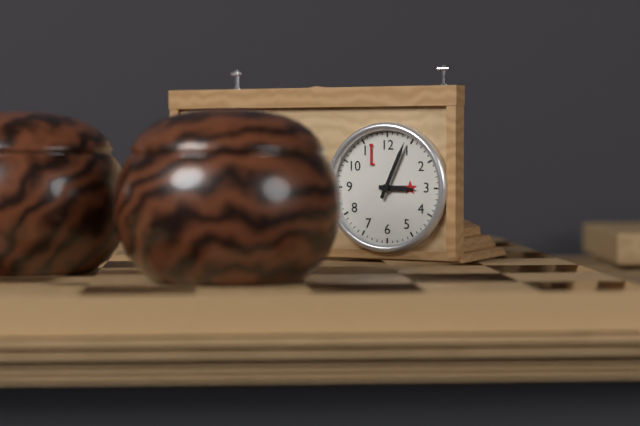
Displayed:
3,04
